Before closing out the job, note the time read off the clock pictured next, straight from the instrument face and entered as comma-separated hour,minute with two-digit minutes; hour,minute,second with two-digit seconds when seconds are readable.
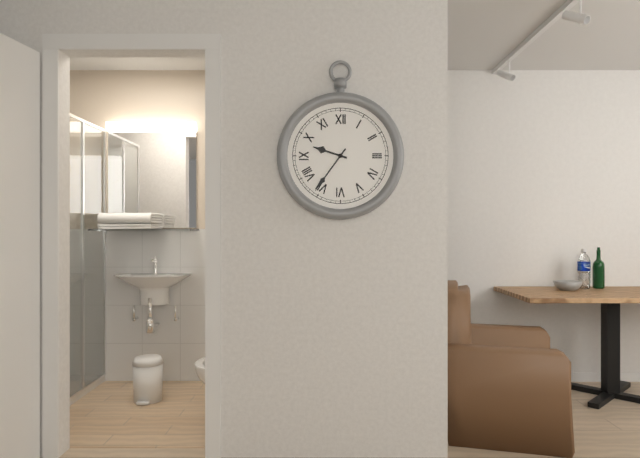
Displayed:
9,36
